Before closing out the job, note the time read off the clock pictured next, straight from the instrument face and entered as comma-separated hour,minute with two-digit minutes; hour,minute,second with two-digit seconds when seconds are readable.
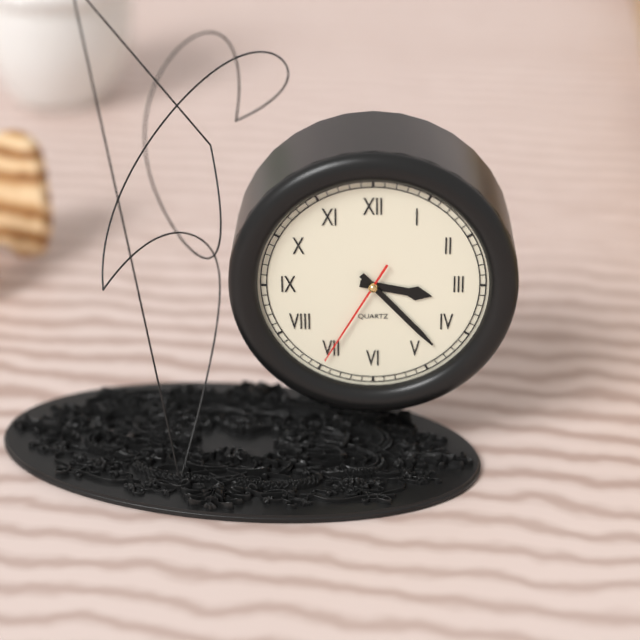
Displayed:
3,23,35
